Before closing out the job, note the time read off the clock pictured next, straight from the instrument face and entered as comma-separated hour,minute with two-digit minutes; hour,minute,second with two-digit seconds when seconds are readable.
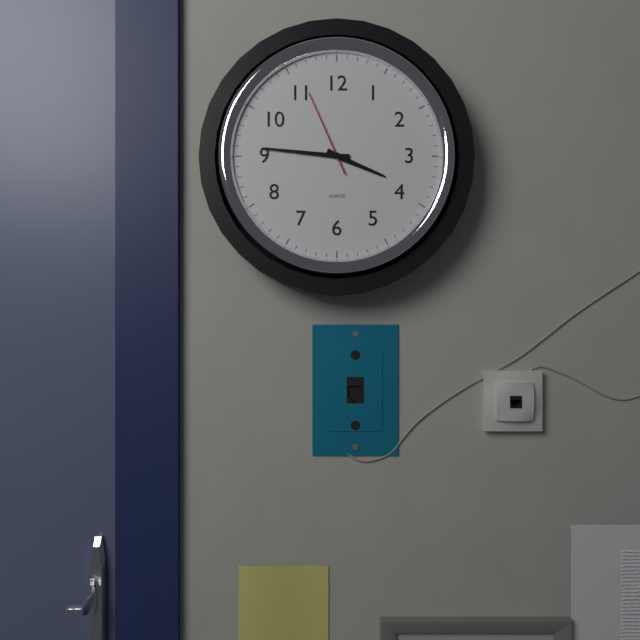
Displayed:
3,46,56
